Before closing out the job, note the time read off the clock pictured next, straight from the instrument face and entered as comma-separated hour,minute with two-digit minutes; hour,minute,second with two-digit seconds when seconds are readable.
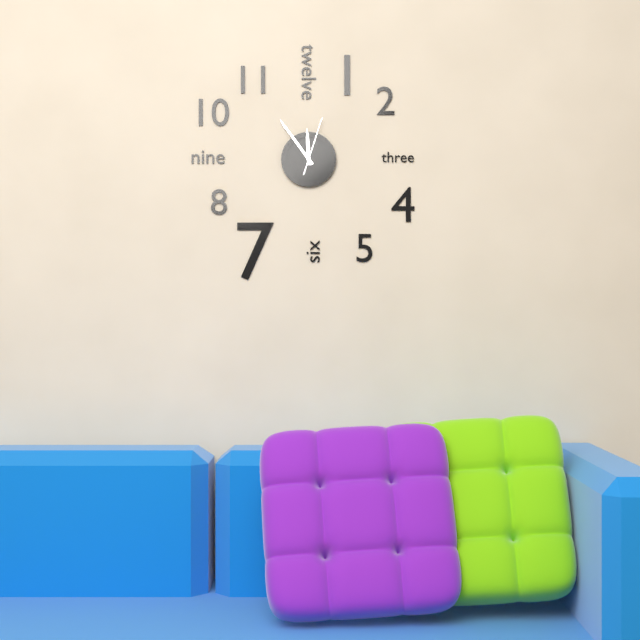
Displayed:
11,54,03
